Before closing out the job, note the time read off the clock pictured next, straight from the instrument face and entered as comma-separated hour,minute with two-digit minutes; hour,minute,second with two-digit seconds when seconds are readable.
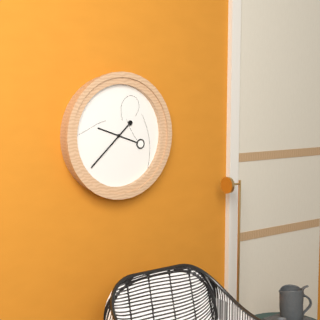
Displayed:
9,38
